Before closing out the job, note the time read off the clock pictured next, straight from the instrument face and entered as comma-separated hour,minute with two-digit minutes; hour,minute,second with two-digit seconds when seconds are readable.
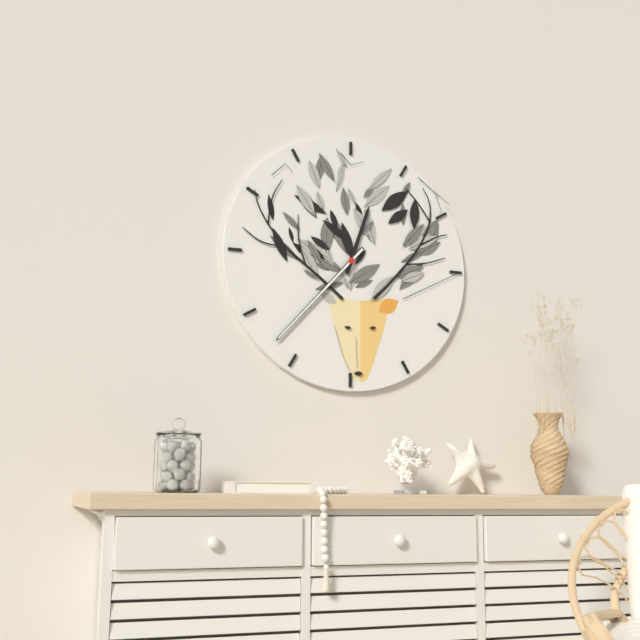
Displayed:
12,37
